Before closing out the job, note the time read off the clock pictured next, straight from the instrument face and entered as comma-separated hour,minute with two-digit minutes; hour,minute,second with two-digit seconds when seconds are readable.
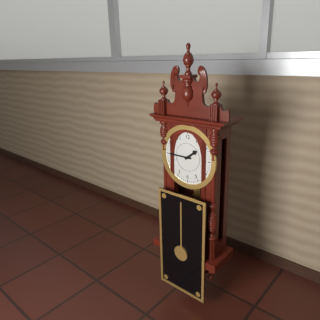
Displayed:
1,45
